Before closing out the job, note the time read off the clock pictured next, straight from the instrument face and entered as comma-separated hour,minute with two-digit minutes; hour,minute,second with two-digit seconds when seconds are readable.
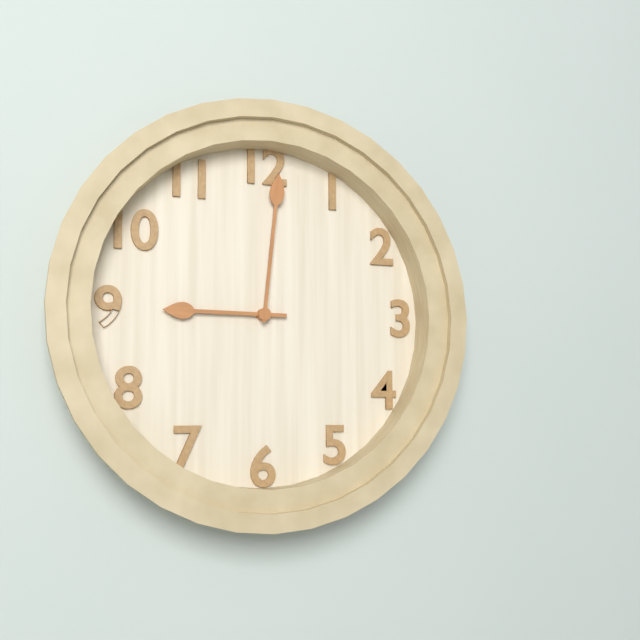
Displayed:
9,01
